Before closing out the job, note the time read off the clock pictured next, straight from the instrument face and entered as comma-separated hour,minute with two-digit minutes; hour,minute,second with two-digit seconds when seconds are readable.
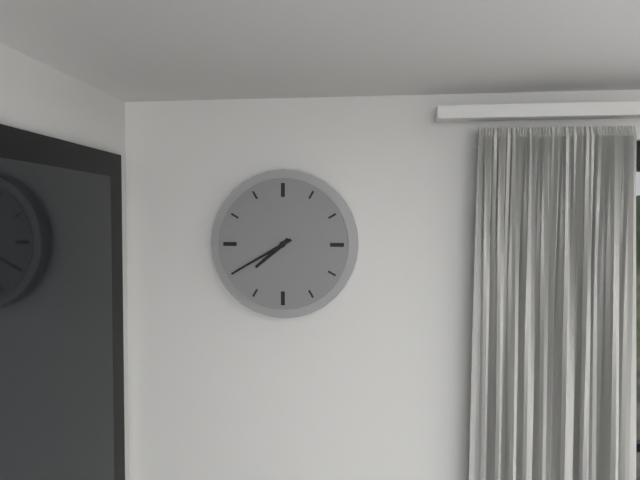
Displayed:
7,40
